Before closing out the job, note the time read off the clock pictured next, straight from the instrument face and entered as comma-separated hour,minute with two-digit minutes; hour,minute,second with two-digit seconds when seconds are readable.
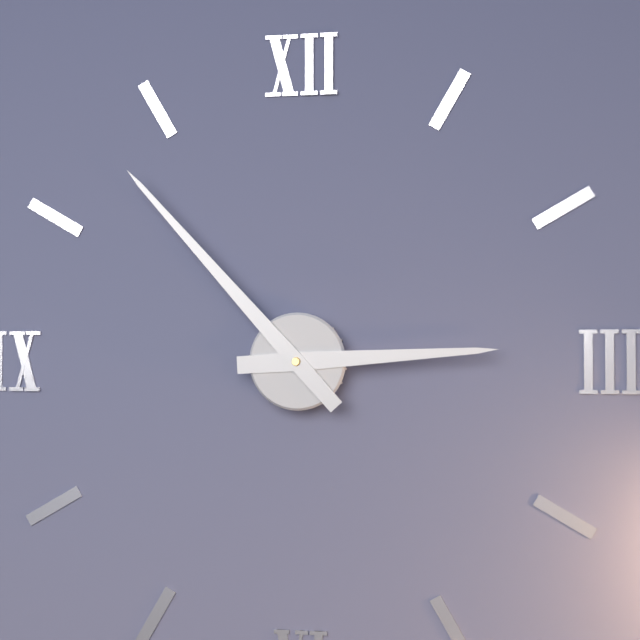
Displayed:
2,53
